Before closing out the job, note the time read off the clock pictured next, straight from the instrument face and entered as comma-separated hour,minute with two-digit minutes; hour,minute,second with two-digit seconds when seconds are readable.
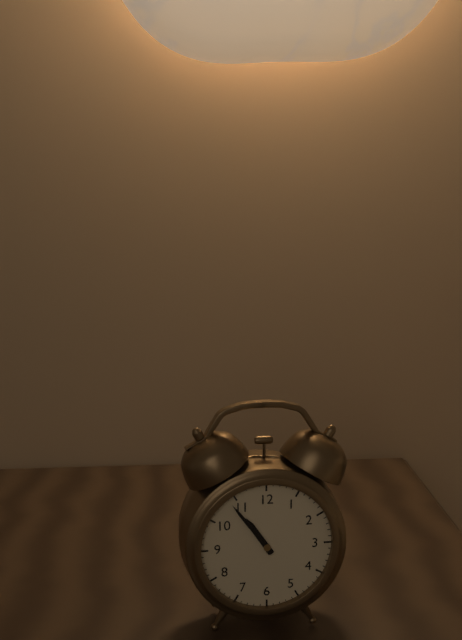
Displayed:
10,54
